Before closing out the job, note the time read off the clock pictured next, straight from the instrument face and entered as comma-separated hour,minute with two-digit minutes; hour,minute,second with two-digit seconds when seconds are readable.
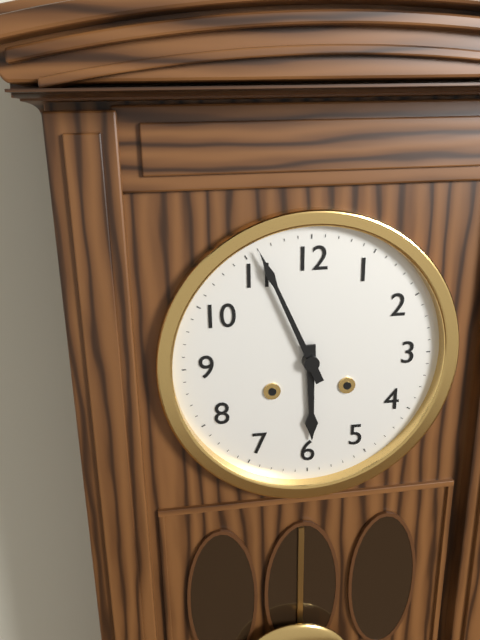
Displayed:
5,56
